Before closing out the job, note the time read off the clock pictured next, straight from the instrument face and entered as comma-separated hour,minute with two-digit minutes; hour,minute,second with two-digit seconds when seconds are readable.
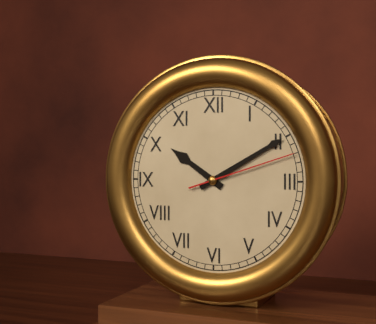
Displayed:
10,10,12
